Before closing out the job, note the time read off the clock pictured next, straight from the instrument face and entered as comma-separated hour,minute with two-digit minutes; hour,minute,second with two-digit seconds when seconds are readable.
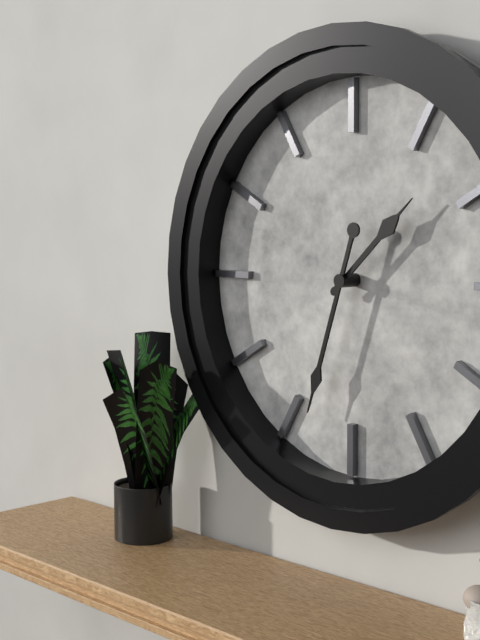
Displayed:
1,33
